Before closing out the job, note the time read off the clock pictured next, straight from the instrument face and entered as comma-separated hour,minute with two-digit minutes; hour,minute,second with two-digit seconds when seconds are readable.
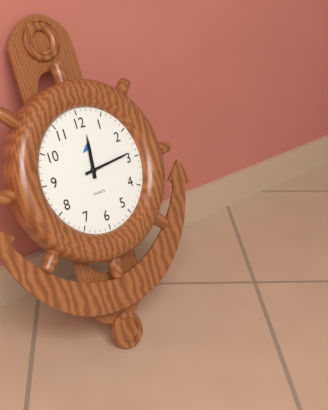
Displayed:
12,14
